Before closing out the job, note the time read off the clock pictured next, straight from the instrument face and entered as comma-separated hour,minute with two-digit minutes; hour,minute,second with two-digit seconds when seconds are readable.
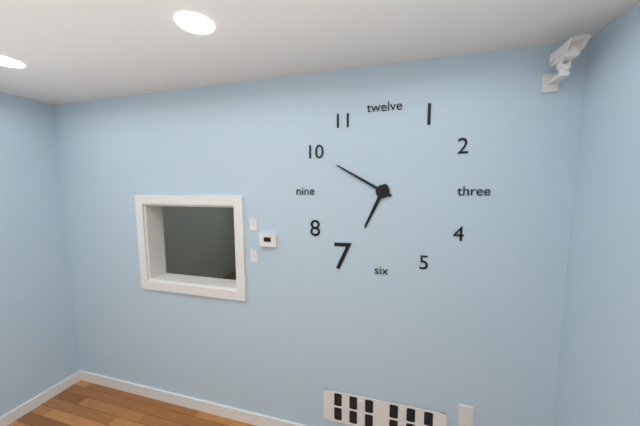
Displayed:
6,50
